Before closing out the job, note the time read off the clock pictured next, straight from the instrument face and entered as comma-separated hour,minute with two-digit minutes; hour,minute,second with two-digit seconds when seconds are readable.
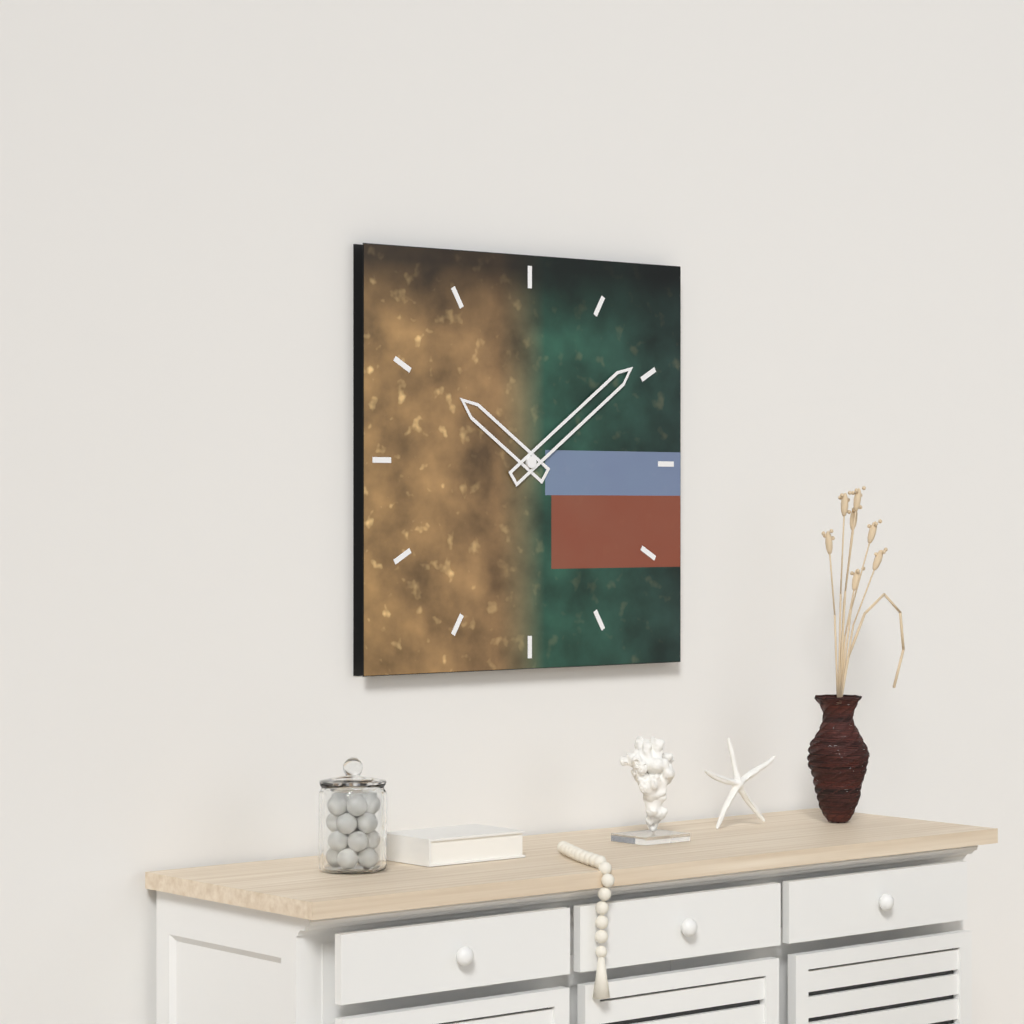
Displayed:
10,09
